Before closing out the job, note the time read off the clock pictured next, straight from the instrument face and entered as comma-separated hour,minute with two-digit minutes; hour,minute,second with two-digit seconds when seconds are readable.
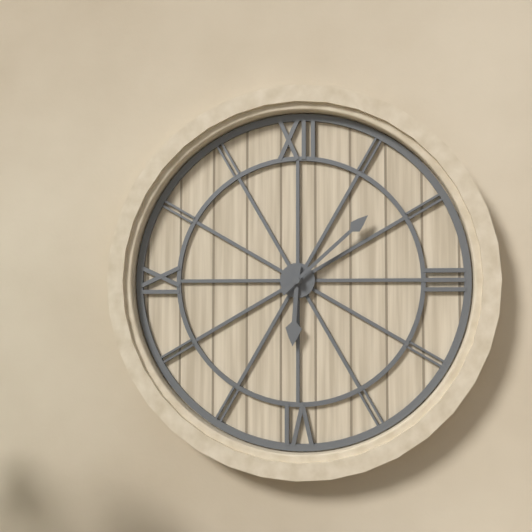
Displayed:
6,08
